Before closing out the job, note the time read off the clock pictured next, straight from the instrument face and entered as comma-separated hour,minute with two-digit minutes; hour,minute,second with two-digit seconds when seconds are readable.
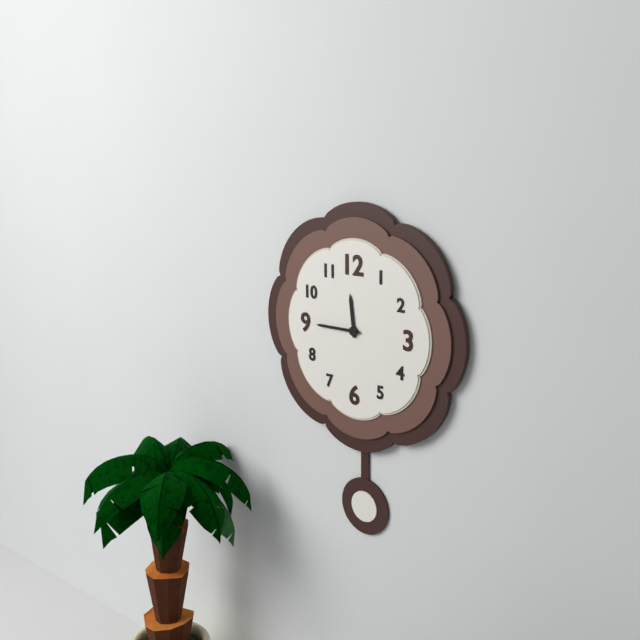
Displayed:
11,45
